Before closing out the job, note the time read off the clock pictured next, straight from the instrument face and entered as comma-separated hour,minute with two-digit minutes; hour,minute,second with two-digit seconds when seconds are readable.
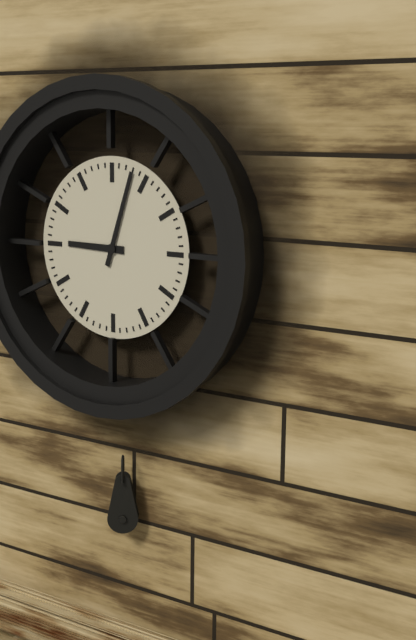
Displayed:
9,03
